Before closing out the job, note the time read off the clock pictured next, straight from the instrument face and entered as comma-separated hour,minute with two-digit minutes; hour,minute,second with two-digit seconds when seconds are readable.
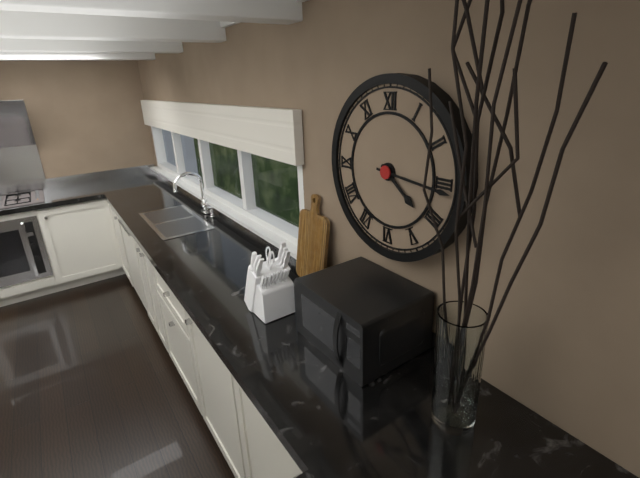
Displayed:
4,16
